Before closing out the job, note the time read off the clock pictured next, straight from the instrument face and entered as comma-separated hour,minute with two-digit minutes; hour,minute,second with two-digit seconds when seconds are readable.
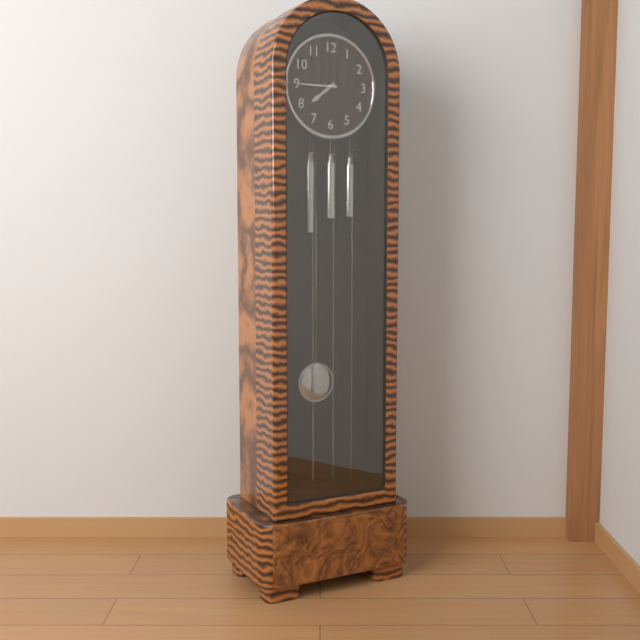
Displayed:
7,45
